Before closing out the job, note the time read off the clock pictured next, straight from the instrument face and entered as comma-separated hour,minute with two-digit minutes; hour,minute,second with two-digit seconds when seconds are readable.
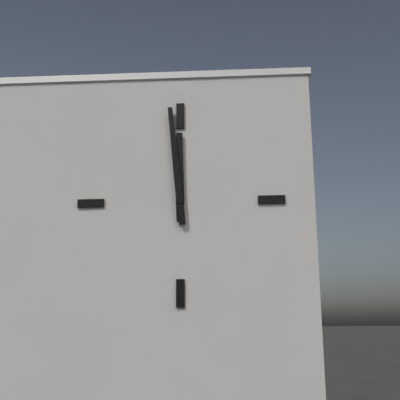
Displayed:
11,59
